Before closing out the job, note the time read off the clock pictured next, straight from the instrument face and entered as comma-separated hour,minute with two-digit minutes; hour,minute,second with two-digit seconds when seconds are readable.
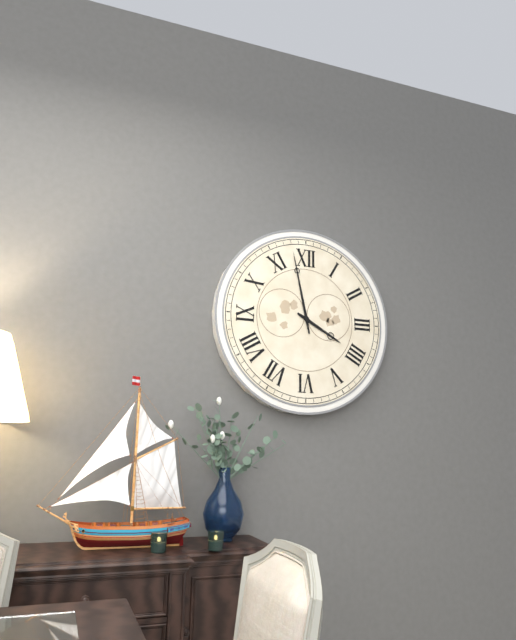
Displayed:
3,58
